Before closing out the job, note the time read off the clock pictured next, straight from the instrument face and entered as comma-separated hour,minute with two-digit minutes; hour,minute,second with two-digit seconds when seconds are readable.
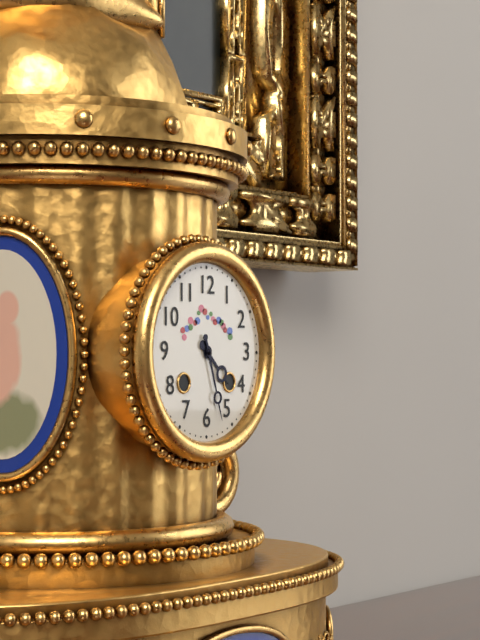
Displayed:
4,27
